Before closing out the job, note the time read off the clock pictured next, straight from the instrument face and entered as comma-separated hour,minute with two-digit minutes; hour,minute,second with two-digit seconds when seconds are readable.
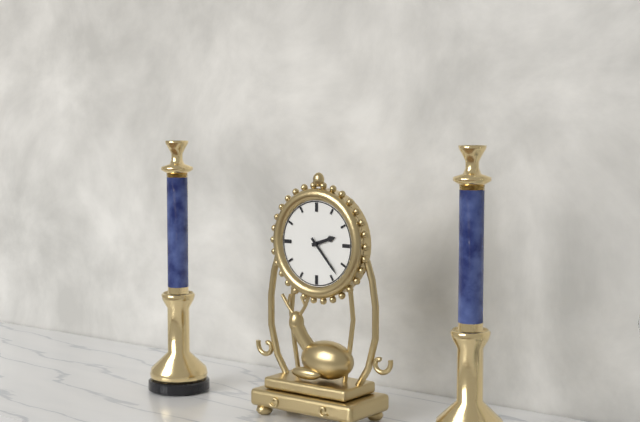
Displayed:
2,23
